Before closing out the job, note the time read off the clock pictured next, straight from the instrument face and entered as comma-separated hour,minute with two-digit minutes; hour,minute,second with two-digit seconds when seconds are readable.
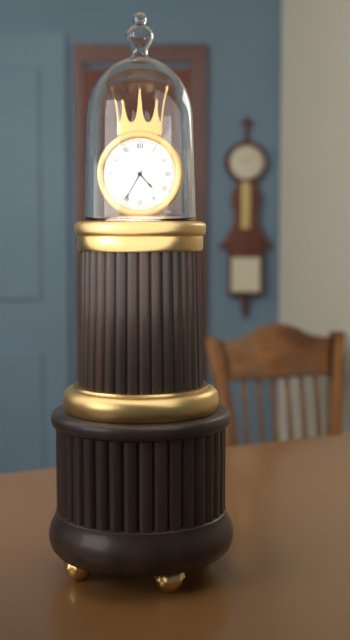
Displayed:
4,35
